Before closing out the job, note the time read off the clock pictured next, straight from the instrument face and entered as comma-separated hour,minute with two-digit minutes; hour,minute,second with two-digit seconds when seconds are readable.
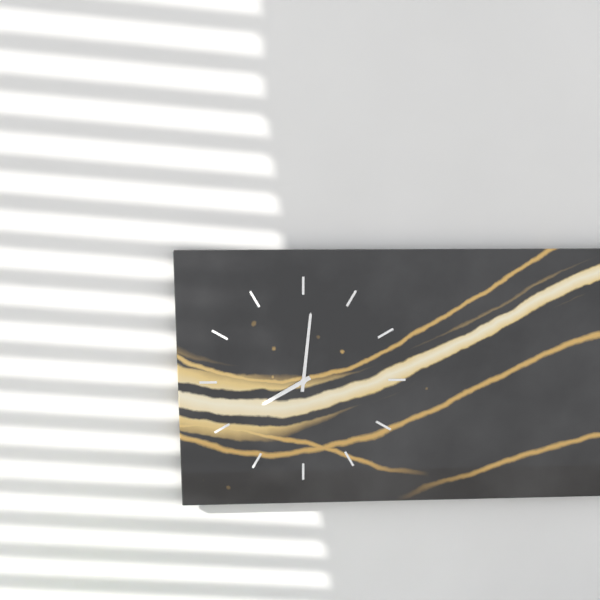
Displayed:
8,01
